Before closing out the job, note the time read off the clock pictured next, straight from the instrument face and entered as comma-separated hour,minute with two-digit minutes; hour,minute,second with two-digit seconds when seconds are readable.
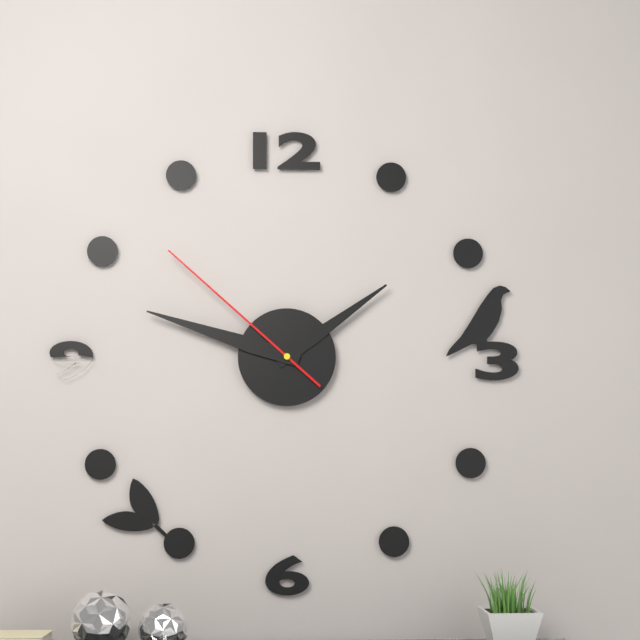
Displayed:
1,48,52
